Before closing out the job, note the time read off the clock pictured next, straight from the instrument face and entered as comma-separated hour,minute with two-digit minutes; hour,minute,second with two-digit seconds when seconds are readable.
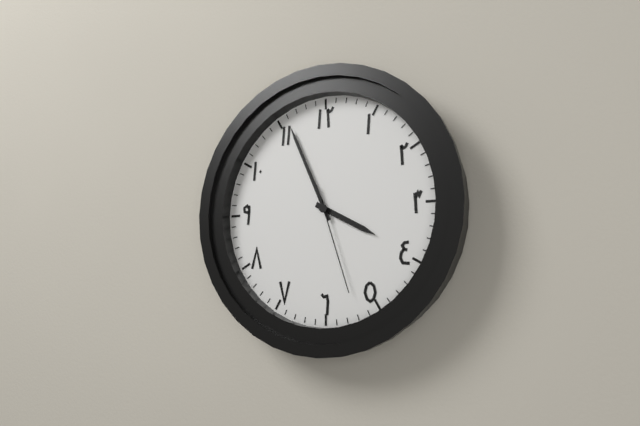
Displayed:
3,56,27
